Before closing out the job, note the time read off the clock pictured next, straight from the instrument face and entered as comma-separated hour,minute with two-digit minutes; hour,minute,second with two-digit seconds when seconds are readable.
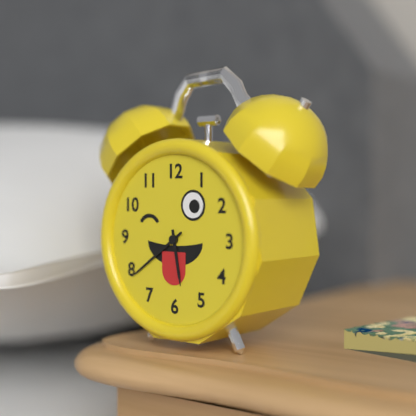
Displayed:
5,39
